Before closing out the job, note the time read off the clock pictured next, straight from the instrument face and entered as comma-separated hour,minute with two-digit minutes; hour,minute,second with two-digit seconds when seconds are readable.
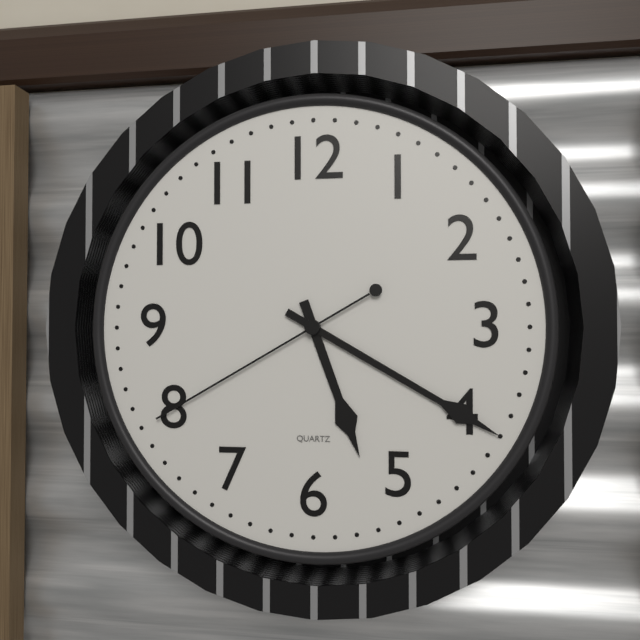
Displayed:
5,20,40
